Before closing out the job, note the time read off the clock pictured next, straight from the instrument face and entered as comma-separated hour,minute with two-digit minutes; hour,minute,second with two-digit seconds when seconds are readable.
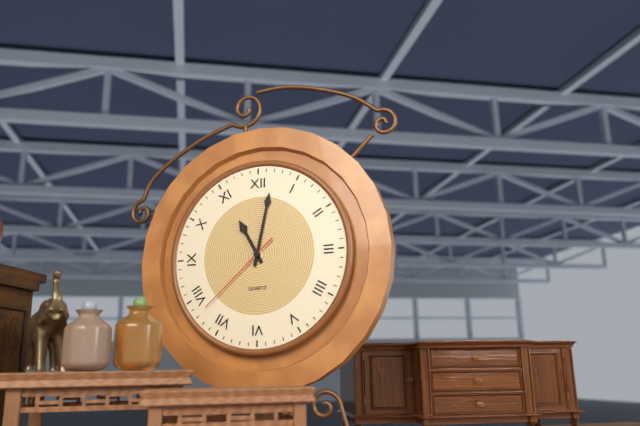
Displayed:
11,02,38
